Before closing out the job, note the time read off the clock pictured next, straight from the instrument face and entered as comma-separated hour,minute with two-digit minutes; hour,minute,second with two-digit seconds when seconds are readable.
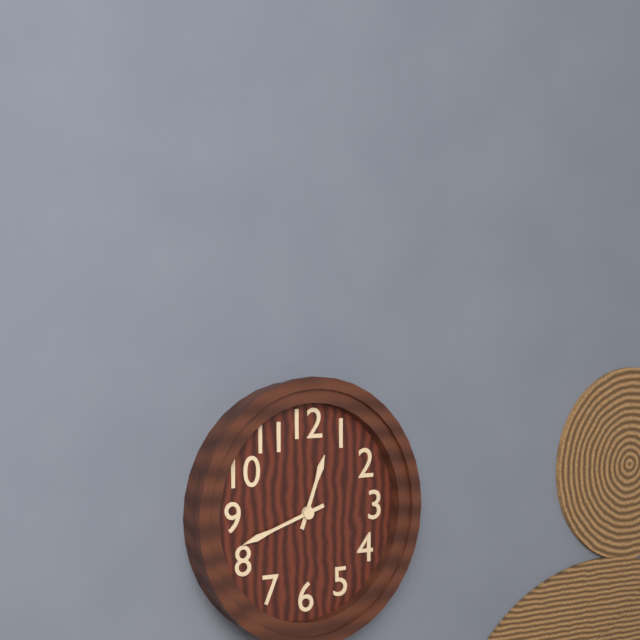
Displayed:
12,42
